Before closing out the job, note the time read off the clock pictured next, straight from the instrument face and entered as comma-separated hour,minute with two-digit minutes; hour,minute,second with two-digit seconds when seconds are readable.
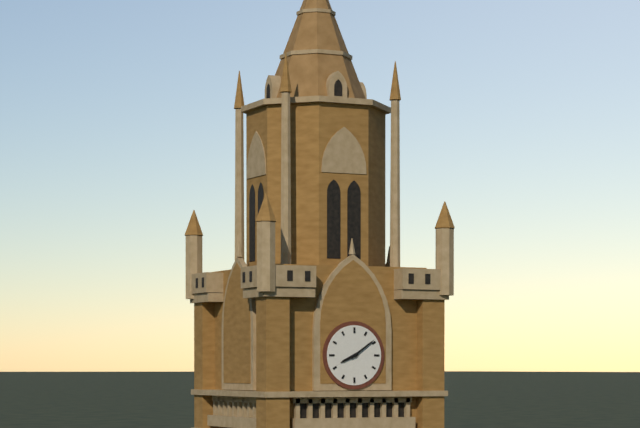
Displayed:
8,09
